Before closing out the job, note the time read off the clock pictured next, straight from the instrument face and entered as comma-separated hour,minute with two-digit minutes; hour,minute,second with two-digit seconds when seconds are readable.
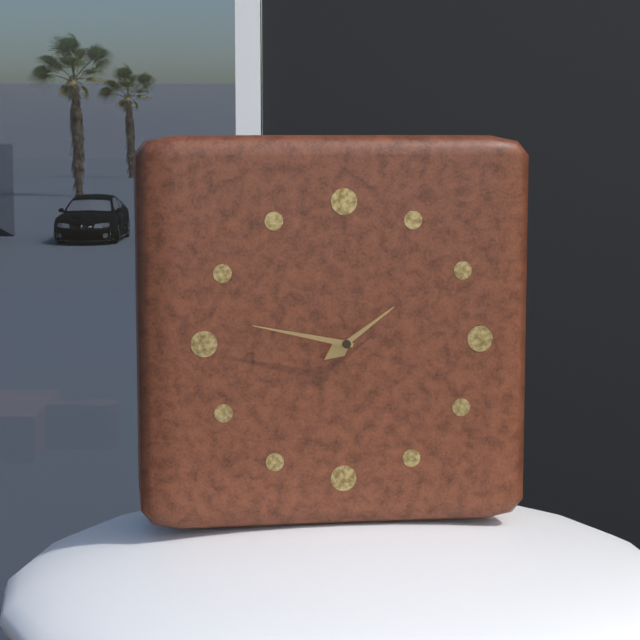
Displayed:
1,47
